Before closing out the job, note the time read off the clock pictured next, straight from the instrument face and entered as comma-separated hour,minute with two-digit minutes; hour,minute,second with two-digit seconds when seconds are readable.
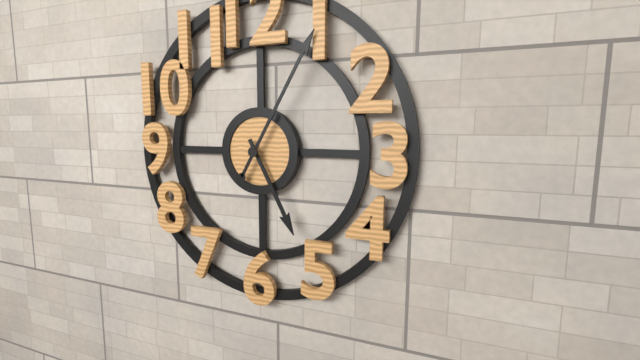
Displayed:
5,05
